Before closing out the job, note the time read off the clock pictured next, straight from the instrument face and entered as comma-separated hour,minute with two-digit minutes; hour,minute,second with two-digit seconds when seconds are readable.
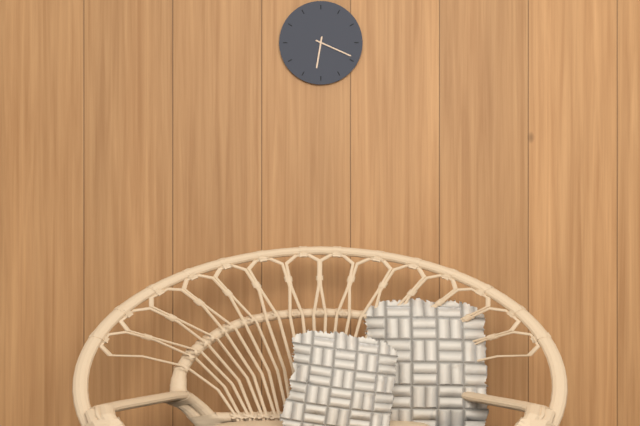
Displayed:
6,19
